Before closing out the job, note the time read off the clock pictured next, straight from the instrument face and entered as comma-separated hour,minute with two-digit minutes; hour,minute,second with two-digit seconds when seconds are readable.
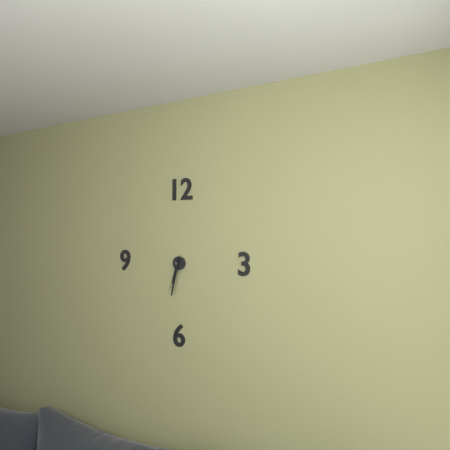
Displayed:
6,32
